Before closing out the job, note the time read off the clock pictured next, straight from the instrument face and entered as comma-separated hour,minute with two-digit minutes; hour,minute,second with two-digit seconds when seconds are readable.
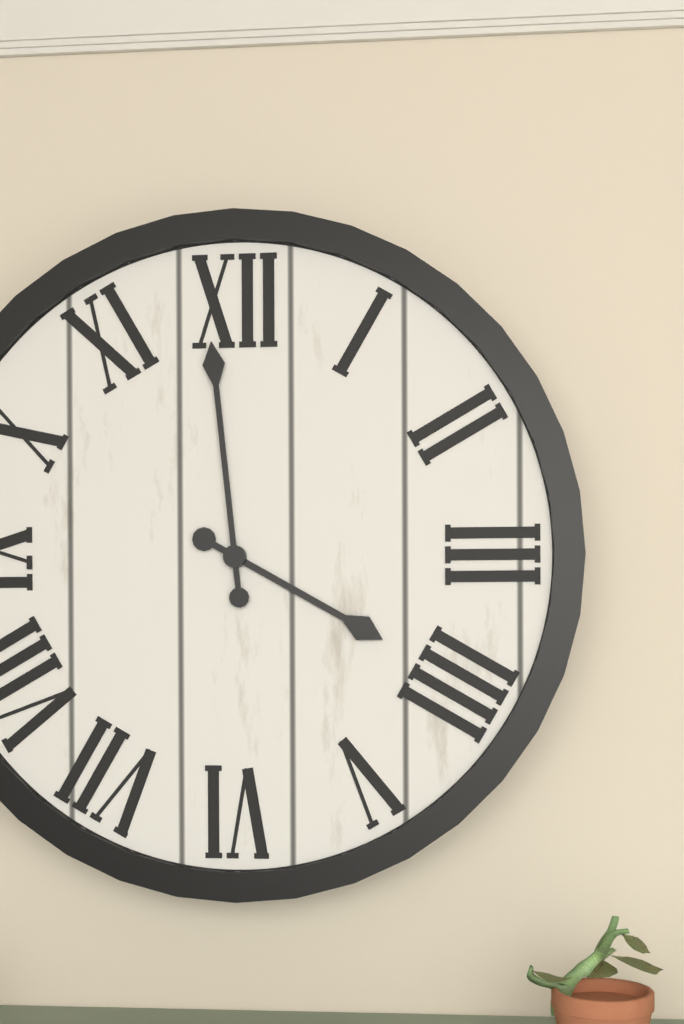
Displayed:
3,59
